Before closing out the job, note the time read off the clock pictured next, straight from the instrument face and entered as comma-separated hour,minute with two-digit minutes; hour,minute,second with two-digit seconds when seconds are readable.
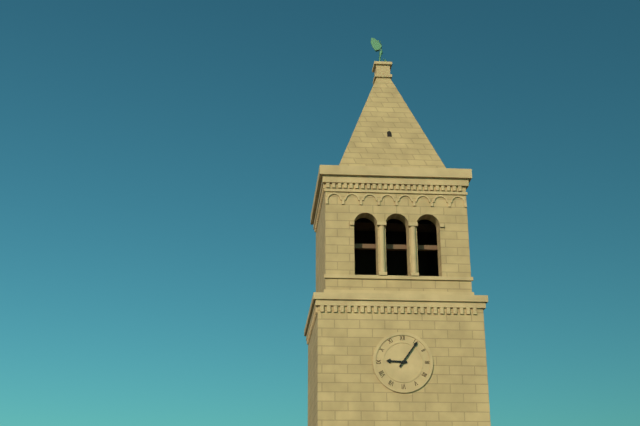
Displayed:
9,06
